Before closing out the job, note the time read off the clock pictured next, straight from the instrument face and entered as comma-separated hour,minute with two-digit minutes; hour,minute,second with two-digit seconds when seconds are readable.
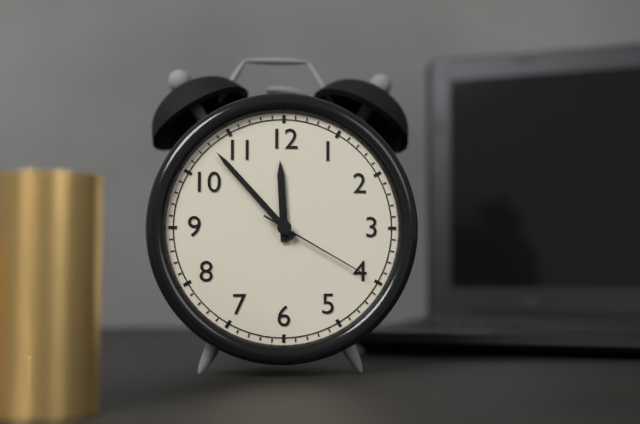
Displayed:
11,53,20
